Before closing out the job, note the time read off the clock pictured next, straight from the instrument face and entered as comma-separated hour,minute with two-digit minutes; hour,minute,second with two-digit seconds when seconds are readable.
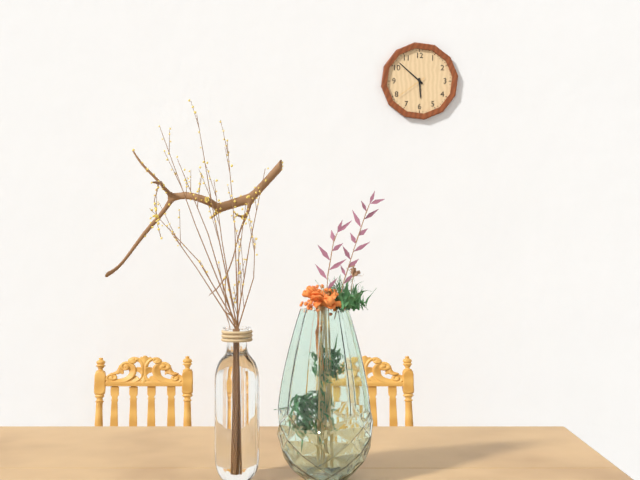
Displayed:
5,52
